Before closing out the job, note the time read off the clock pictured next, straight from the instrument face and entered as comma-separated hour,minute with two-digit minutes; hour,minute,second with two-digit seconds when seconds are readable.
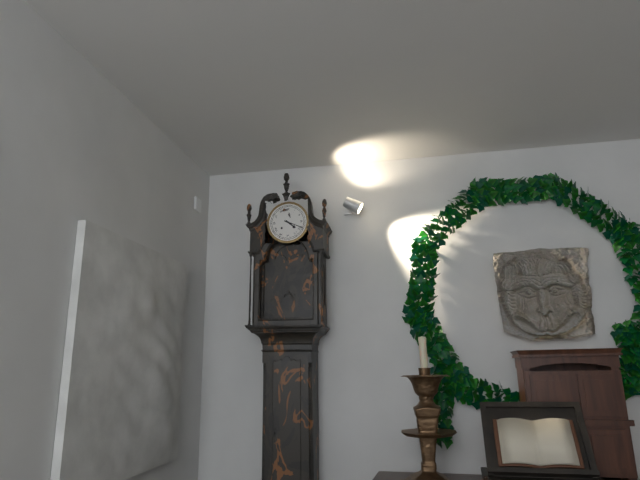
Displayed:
4,19
